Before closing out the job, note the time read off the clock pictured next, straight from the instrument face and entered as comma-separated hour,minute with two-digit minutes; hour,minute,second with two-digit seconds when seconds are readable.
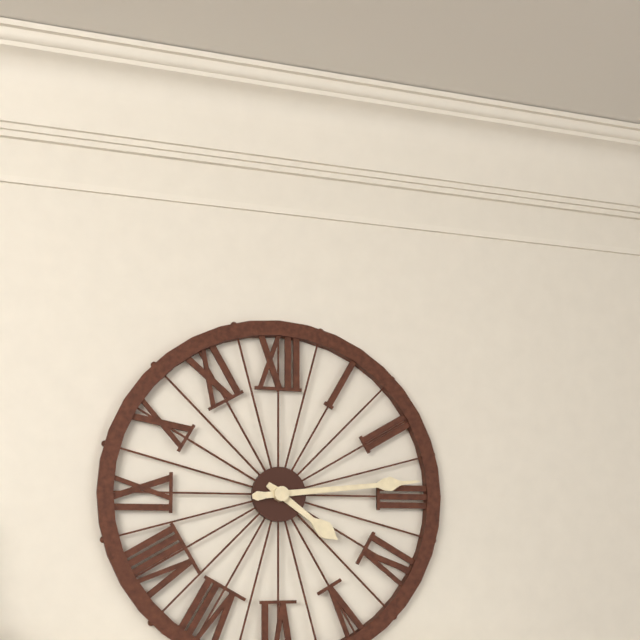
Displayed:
4,14
